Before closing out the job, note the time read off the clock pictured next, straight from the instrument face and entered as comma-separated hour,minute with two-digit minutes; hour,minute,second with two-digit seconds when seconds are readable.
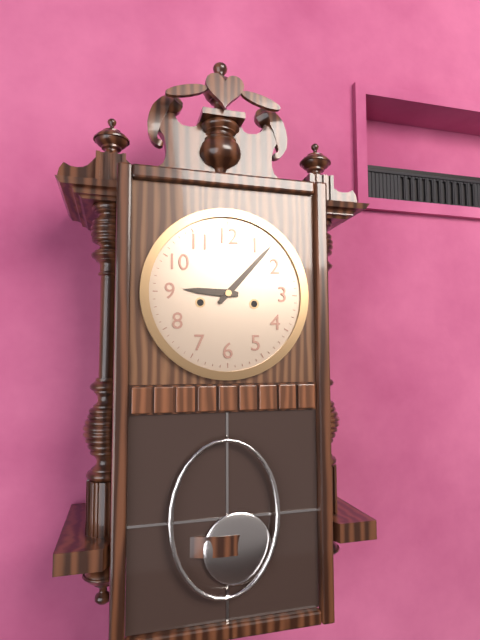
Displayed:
9,07
